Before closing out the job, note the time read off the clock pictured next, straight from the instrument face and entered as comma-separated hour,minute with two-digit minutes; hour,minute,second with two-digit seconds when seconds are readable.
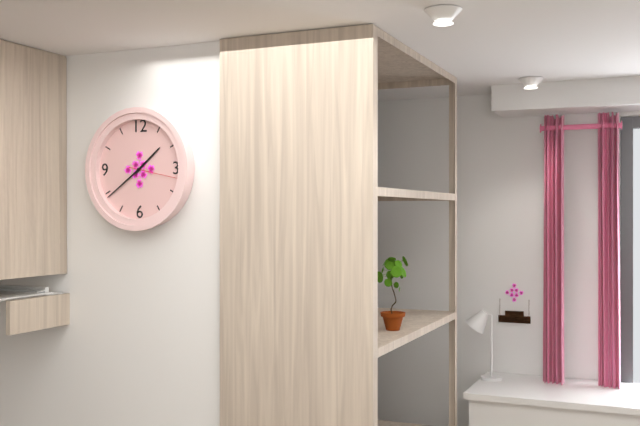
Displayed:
1,39,17
